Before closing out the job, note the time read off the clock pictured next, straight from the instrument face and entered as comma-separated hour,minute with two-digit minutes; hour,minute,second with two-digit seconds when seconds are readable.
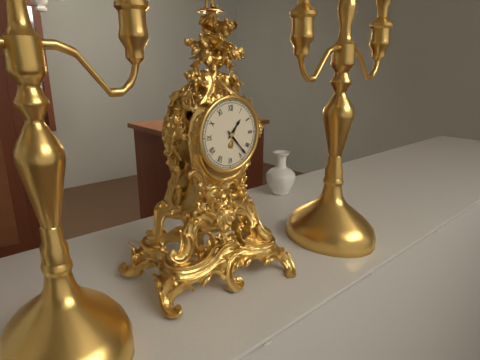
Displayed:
1,23
